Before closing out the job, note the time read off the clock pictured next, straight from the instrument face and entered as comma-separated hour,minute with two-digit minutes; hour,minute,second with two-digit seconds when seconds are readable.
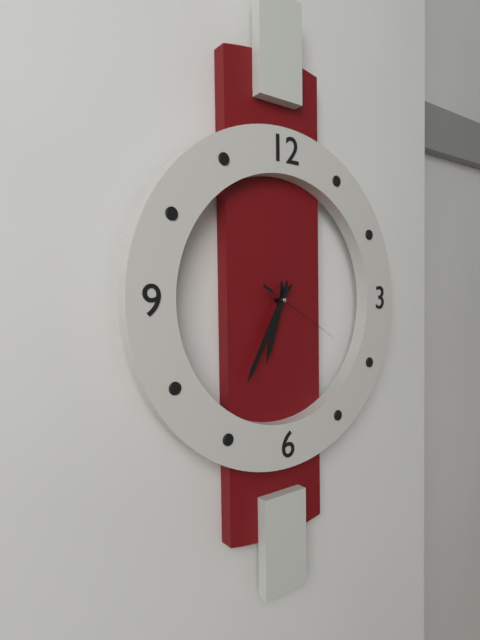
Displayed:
6,35,20
